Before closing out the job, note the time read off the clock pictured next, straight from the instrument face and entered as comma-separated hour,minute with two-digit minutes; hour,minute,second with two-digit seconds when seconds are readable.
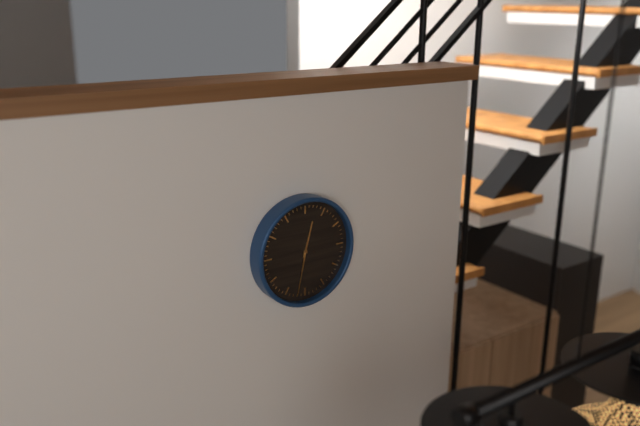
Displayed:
12,32
